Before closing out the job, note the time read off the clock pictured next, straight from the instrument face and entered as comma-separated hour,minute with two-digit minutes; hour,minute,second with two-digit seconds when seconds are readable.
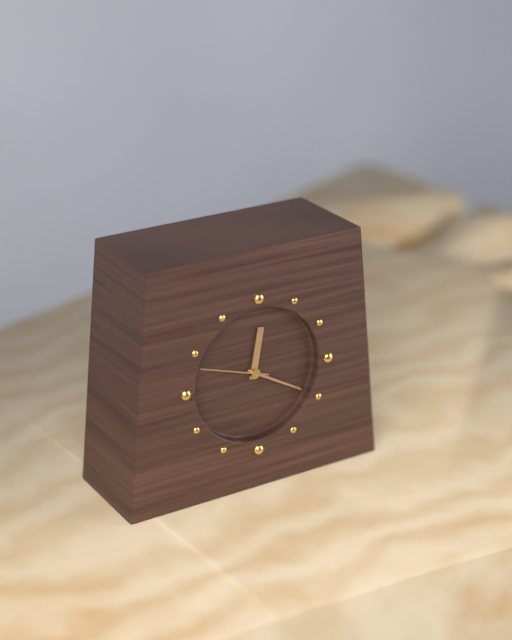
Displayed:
12,20,48
